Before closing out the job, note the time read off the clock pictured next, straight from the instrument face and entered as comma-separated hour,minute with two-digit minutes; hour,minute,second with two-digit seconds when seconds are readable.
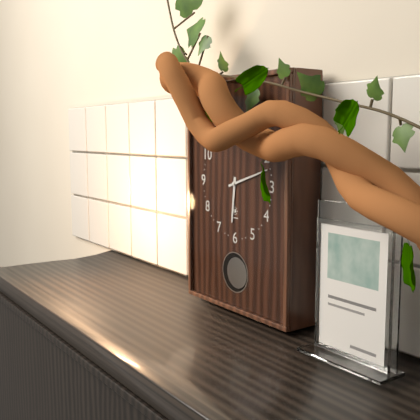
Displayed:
6,12
